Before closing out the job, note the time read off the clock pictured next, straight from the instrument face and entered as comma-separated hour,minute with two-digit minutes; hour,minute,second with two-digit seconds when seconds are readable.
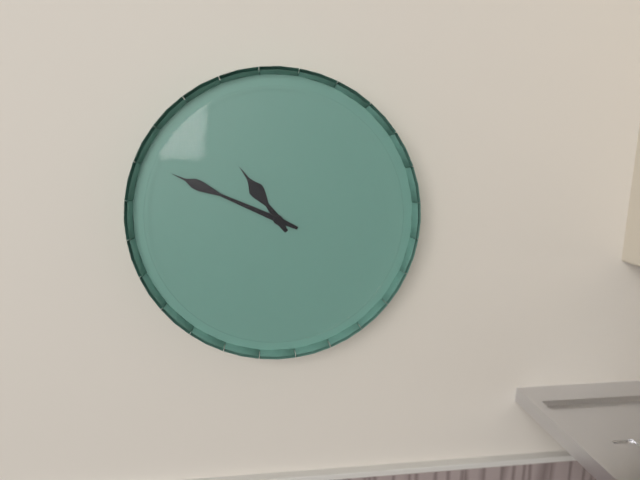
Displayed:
10,49
